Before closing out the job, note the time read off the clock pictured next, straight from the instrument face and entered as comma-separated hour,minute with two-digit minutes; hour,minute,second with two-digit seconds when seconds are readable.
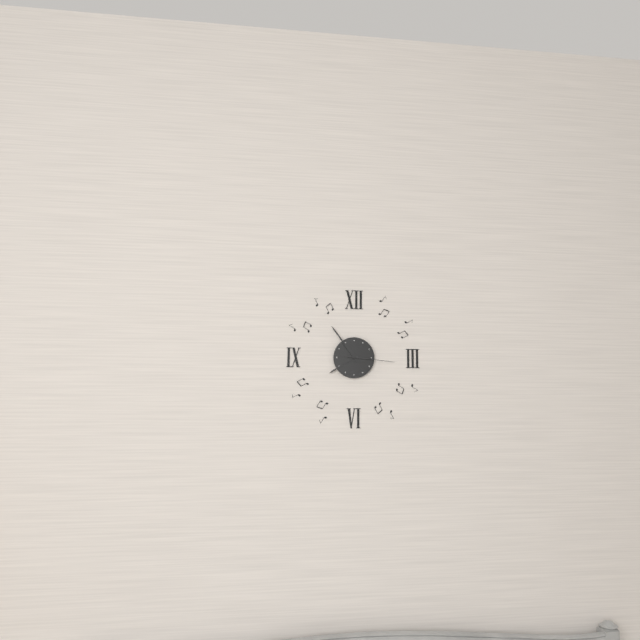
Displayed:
7,54,16
